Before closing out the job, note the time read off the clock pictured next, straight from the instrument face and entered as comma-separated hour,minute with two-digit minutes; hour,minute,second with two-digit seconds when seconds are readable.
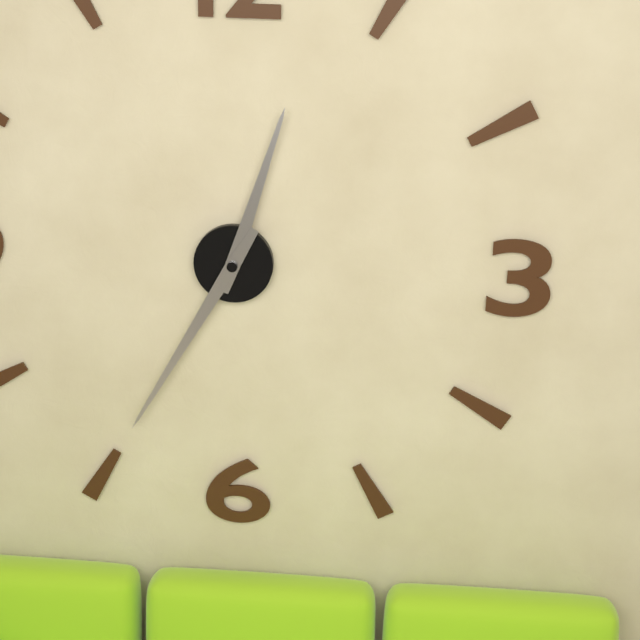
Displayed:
12,35
